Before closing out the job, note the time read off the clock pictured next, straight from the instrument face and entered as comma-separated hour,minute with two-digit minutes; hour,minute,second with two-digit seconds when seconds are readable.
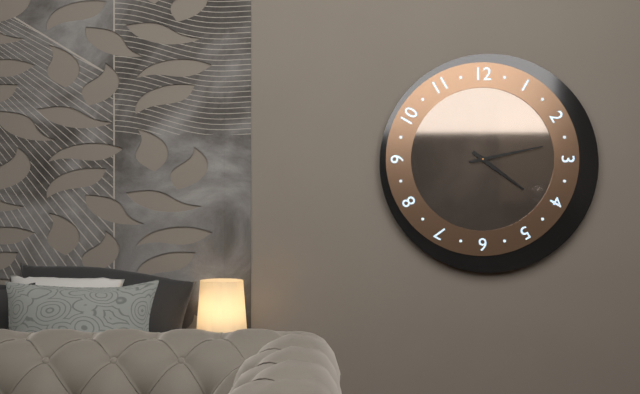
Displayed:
4,13
